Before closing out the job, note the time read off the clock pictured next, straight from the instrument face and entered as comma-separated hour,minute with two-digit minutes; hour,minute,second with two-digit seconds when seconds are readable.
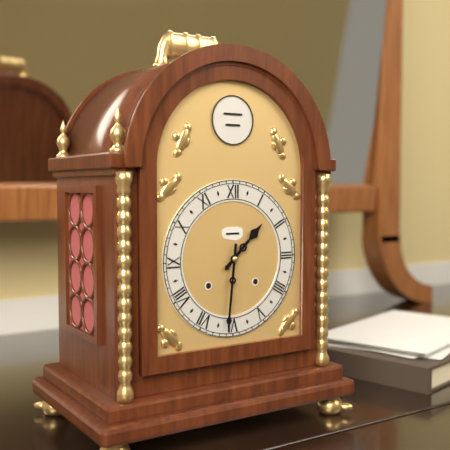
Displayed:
1,31
